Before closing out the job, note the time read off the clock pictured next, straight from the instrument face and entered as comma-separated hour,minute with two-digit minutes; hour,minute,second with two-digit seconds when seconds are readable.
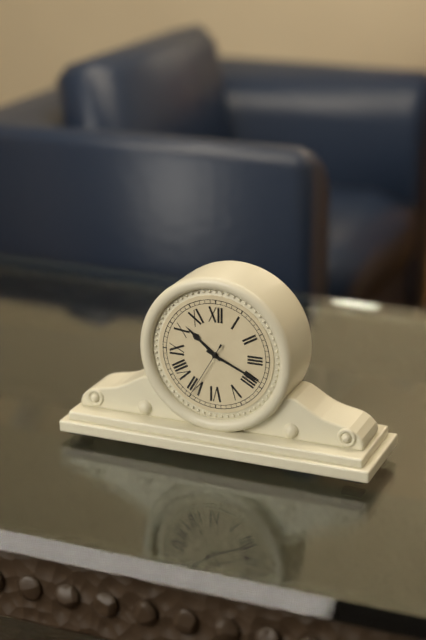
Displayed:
10,19,35
